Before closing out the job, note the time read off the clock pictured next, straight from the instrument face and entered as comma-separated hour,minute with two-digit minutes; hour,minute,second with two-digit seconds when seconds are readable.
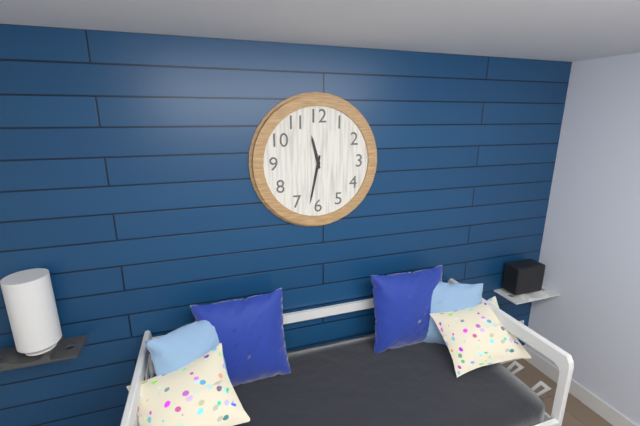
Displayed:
11,32
